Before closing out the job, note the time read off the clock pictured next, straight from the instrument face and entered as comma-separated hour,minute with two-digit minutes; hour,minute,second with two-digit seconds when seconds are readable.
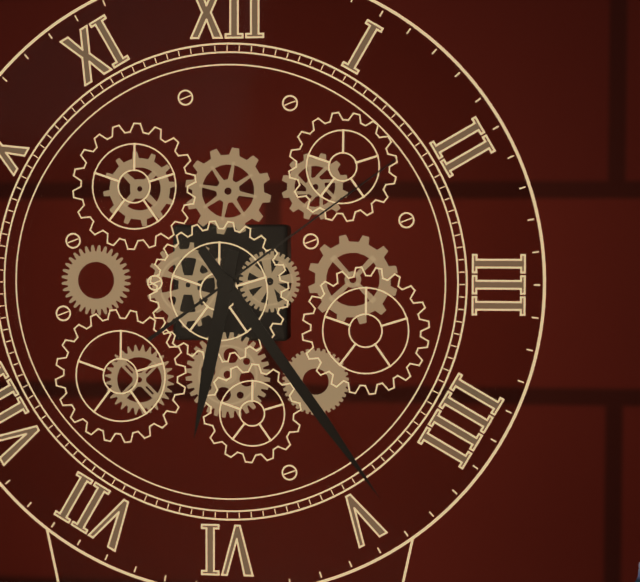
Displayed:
6,24,09
